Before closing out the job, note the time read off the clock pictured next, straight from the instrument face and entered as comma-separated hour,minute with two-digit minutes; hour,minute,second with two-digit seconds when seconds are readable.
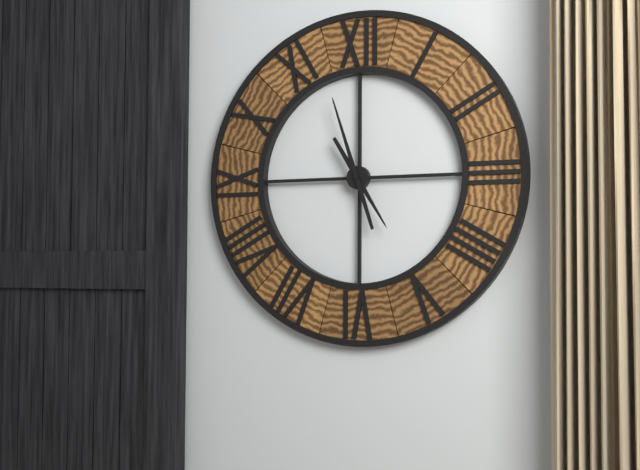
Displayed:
4,57
